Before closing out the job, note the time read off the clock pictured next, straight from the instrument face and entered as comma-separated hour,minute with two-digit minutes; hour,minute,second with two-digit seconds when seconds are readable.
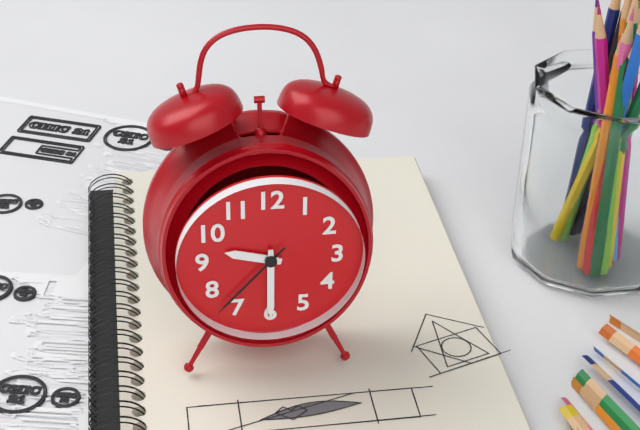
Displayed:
9,30,37
